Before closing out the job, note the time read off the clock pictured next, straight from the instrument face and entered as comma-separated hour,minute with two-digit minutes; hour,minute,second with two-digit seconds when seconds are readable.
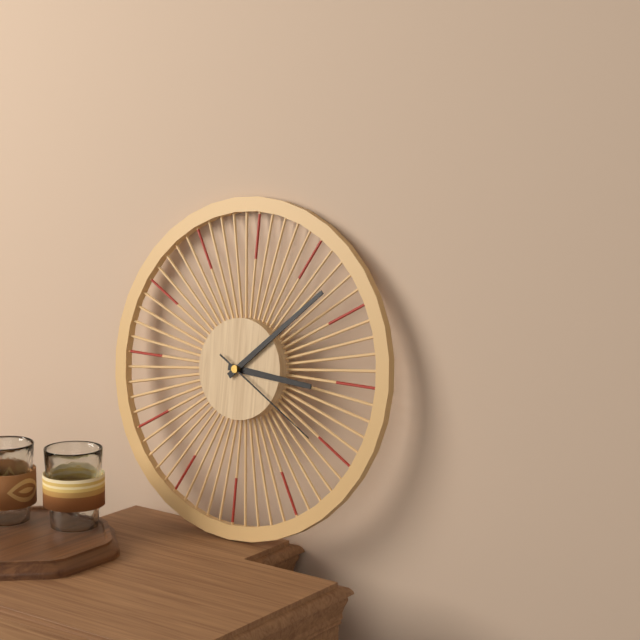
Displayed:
3,08,20
